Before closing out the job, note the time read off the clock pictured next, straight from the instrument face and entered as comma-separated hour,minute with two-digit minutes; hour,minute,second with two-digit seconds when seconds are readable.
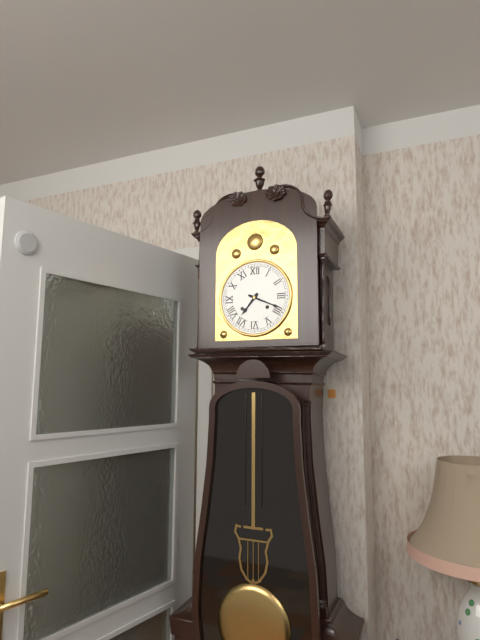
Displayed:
7,19
